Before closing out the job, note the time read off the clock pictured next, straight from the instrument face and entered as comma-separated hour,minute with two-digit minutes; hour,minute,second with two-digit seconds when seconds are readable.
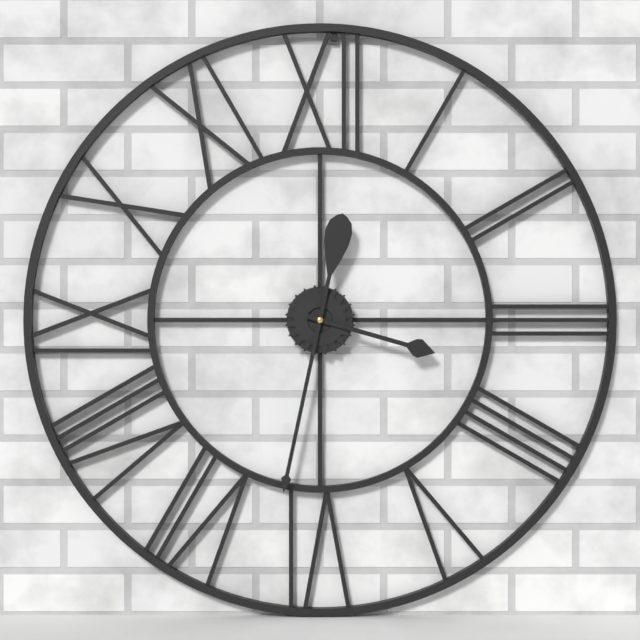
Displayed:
3,32
